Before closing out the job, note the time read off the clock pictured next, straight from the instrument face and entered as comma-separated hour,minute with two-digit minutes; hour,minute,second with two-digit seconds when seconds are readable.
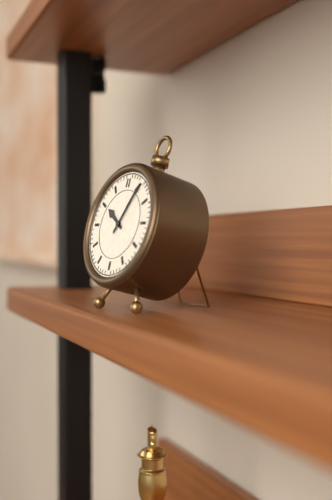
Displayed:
10,05
